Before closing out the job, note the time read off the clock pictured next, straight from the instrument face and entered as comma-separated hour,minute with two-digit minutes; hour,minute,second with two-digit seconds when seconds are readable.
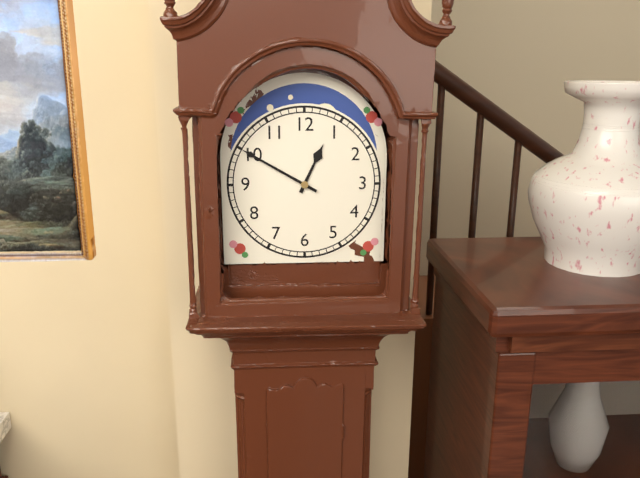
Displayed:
12,50
